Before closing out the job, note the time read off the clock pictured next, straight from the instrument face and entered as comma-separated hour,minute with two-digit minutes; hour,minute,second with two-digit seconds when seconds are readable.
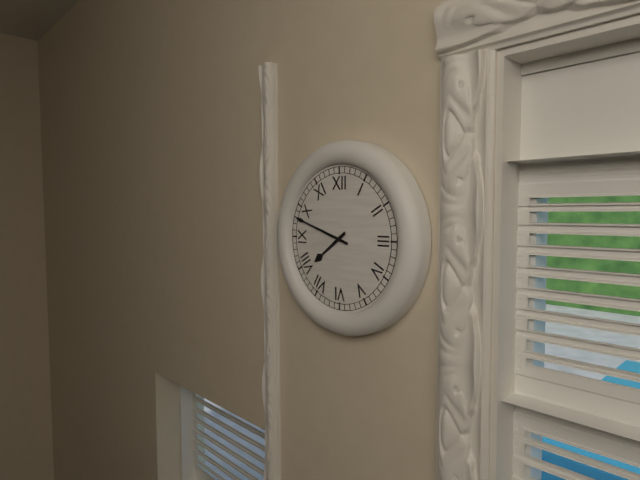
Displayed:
7,48
